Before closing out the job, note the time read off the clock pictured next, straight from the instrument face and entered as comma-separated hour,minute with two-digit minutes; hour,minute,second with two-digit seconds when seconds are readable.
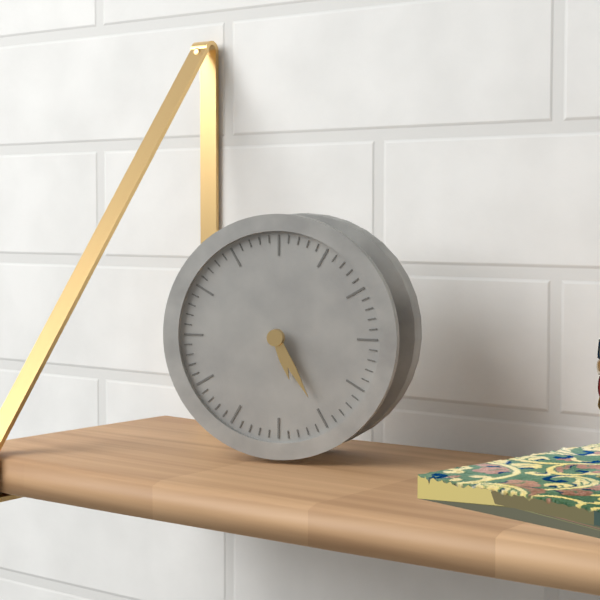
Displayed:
5,25
